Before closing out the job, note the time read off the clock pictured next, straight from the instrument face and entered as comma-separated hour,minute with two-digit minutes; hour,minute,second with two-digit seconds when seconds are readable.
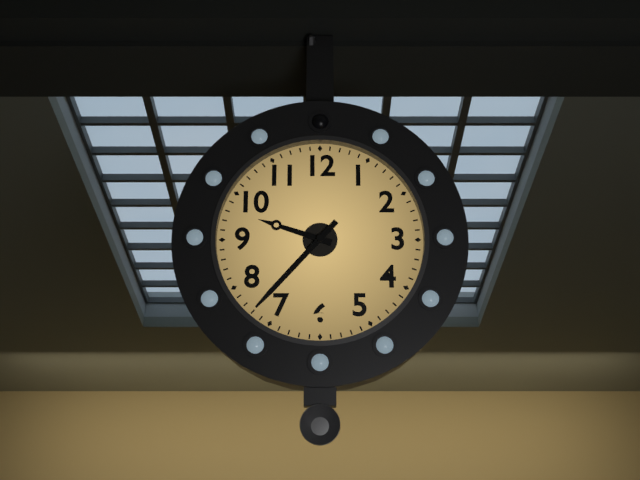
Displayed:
9,37
